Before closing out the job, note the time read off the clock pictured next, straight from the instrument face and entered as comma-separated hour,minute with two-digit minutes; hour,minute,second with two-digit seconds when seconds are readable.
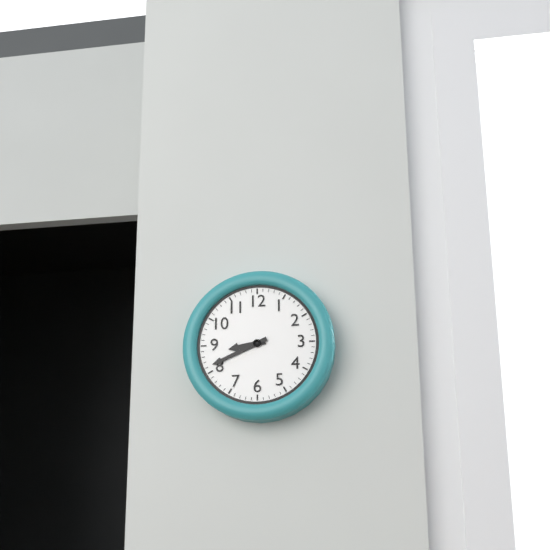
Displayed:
8,41
